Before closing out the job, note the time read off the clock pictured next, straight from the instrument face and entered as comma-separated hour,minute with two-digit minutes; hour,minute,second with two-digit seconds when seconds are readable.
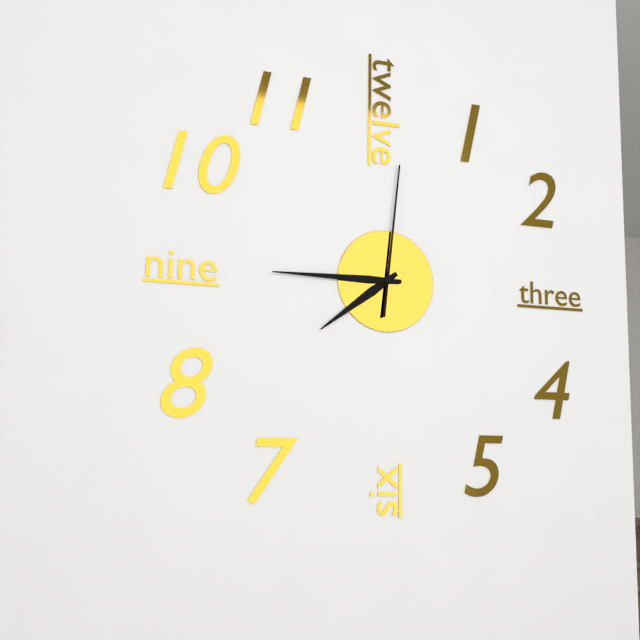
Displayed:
7,45,01
